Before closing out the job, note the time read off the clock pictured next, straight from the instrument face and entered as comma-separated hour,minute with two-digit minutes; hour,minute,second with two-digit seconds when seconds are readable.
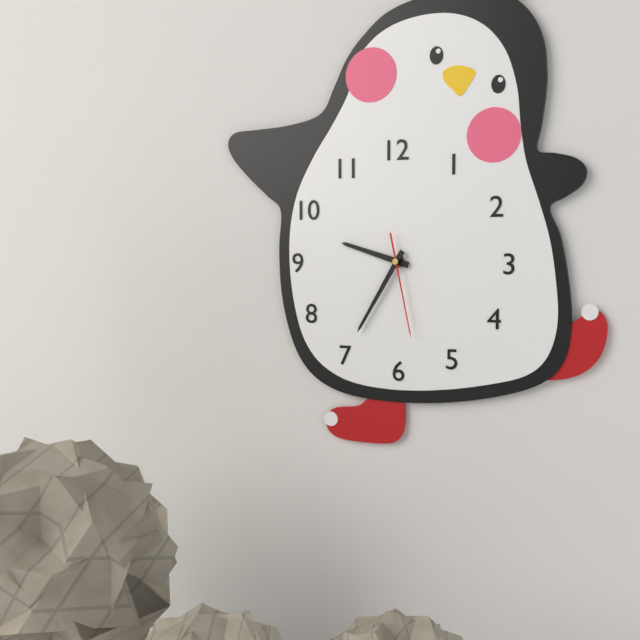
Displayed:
9,35,28
